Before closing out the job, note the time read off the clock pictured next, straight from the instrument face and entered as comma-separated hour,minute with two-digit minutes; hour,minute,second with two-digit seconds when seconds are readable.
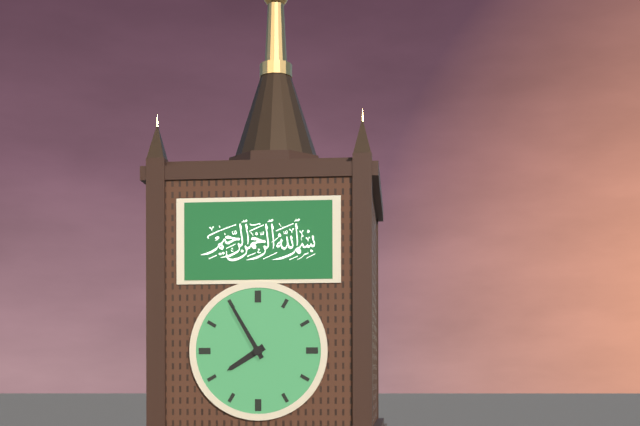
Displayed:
7,55
